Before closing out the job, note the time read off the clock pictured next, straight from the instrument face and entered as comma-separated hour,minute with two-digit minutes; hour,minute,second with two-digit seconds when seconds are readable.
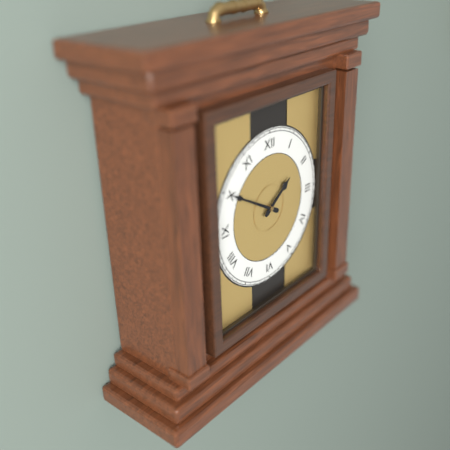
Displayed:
1,50
